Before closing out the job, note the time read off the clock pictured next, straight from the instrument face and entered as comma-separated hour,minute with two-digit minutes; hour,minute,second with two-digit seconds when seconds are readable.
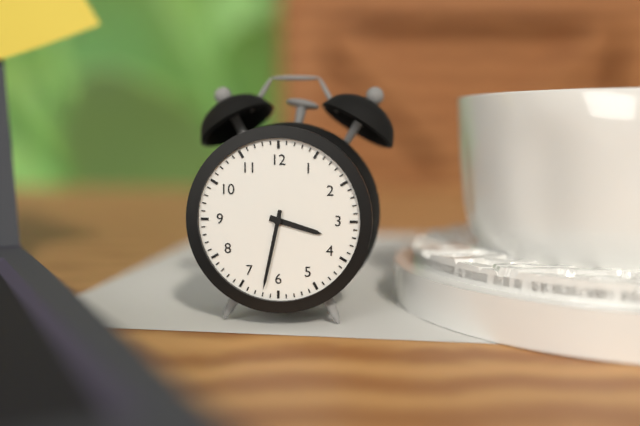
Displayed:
3,32
